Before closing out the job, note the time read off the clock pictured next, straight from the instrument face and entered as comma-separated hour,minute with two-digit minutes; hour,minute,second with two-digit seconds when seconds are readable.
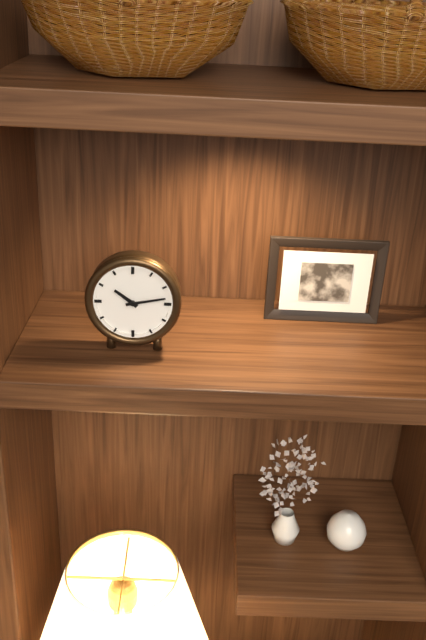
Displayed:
10,13
